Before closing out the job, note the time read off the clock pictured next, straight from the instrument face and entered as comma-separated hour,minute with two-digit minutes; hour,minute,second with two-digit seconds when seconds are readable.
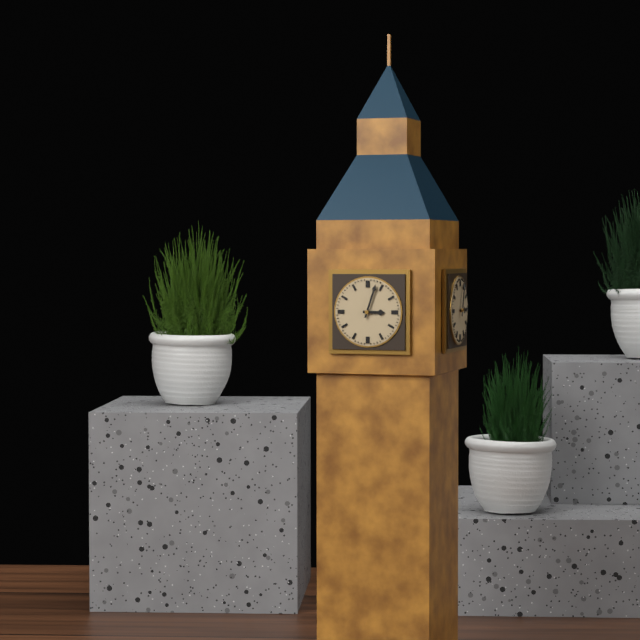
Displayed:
3,03
